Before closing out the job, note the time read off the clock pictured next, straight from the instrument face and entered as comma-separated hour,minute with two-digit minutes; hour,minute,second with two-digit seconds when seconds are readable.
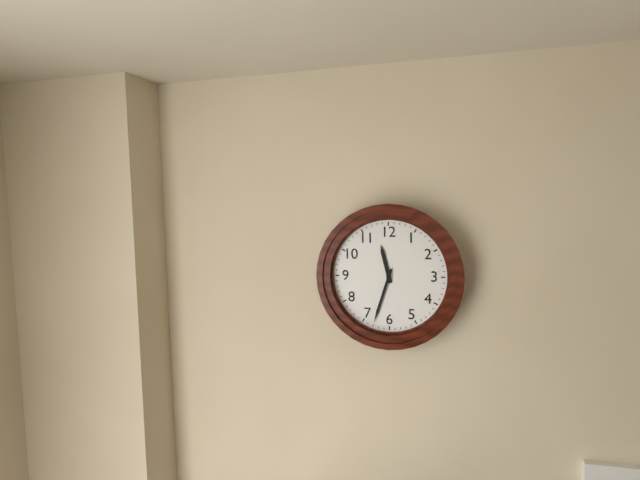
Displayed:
11,33
